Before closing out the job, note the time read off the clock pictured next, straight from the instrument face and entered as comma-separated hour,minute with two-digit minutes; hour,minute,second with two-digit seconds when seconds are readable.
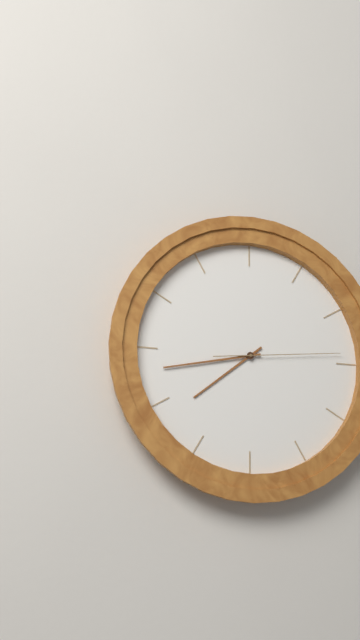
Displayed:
7,43,14
